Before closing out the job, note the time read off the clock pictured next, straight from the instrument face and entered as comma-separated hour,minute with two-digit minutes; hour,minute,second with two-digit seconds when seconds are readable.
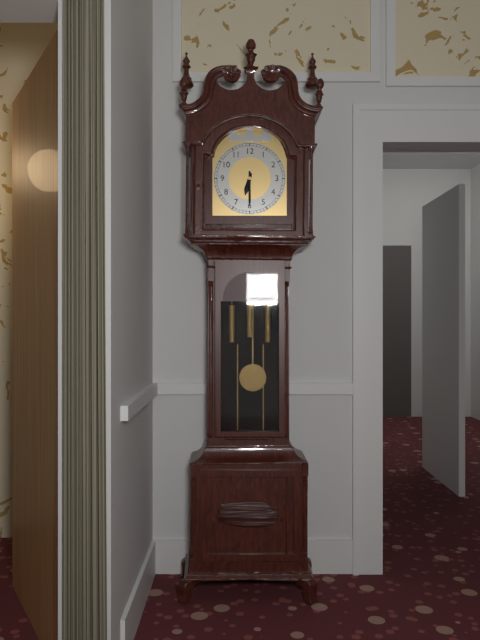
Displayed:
6,30
